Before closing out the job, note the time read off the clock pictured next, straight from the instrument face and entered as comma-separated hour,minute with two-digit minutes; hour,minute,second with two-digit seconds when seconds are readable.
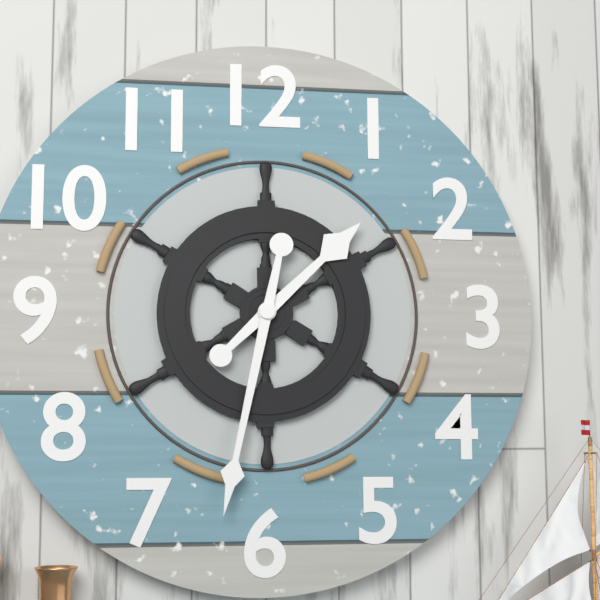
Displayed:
1,32
